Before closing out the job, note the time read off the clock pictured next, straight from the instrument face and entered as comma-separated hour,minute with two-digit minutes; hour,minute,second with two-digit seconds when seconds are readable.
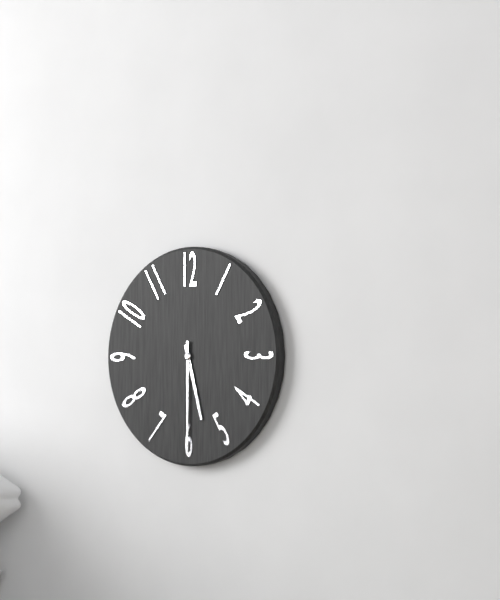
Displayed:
5,30
